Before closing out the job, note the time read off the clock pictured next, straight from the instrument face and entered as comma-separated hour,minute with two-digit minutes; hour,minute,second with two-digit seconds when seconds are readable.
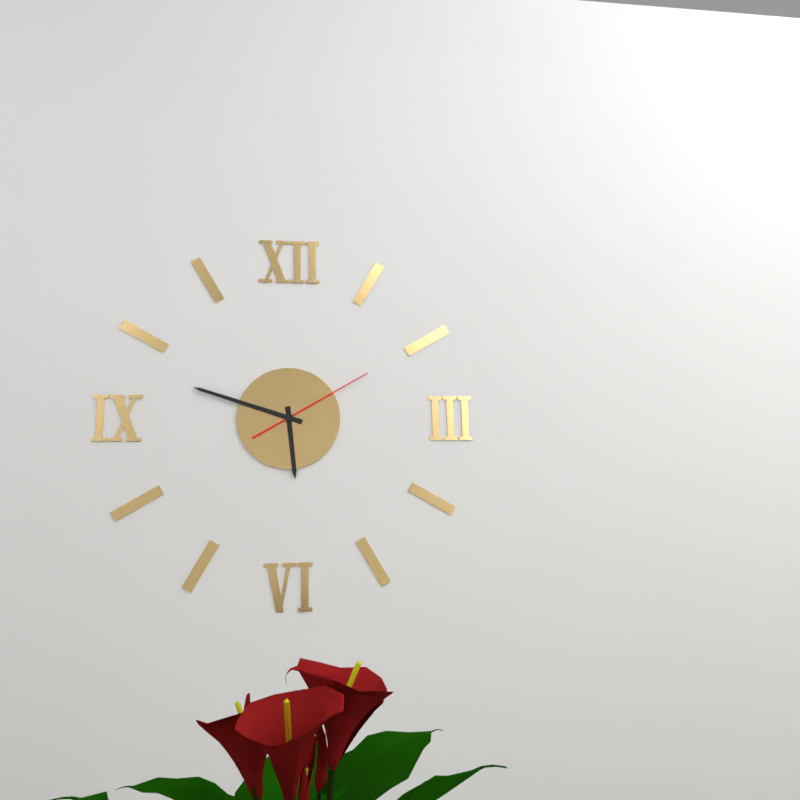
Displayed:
5,48,10
